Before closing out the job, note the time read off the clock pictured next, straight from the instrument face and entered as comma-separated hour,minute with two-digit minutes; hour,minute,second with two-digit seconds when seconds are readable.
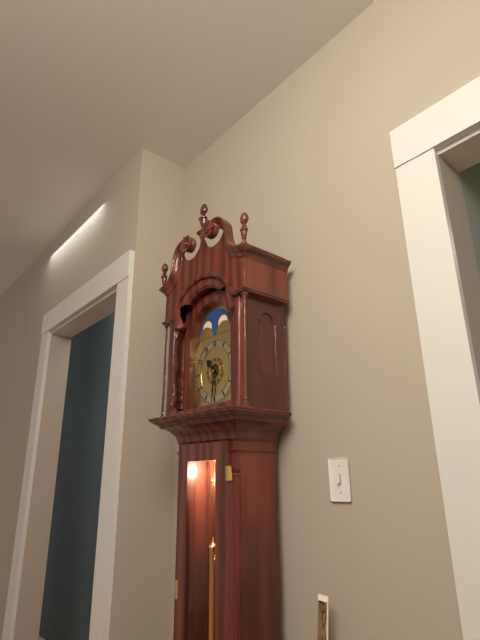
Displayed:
10,31
